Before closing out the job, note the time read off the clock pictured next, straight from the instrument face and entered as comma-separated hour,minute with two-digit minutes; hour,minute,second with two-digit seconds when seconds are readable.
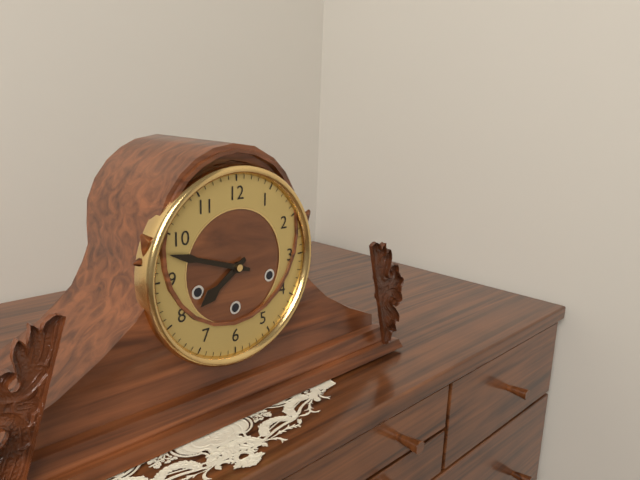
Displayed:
7,48
